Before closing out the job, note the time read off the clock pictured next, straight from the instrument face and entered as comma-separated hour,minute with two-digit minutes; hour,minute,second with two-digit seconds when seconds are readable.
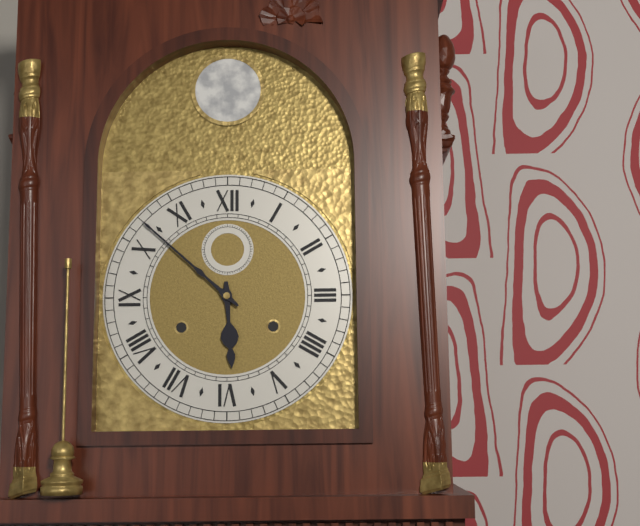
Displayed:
5,52
